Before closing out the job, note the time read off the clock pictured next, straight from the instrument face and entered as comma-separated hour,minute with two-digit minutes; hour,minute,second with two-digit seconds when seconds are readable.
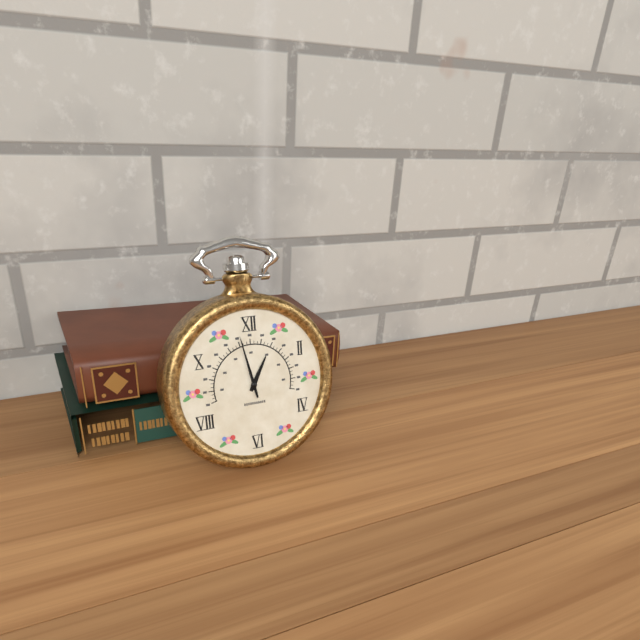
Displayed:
12,58
